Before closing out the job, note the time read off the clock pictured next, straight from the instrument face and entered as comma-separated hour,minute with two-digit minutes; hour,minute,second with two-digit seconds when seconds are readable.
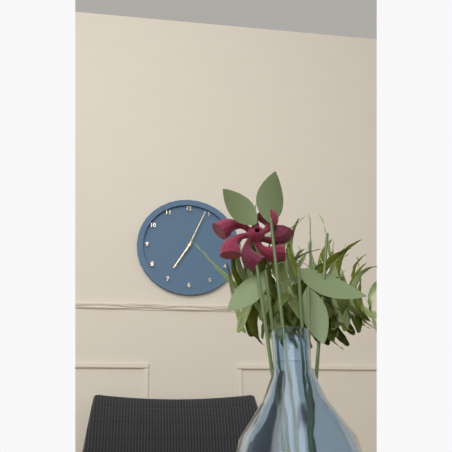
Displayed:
7,04
